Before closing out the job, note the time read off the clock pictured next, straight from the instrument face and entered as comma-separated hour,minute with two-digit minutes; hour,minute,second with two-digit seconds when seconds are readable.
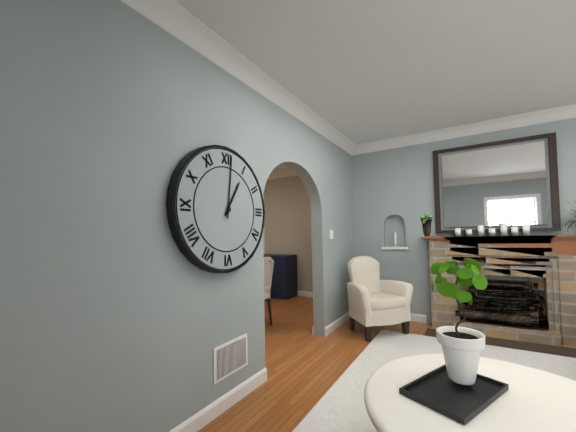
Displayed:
1,01
